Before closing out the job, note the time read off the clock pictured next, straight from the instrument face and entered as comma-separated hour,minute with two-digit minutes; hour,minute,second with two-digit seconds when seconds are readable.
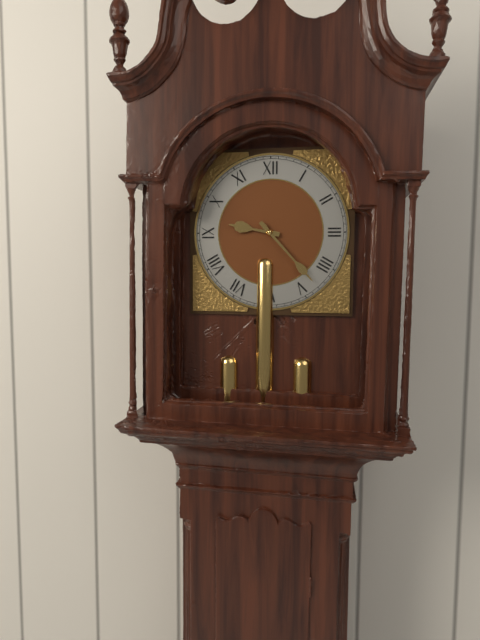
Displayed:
9,23
